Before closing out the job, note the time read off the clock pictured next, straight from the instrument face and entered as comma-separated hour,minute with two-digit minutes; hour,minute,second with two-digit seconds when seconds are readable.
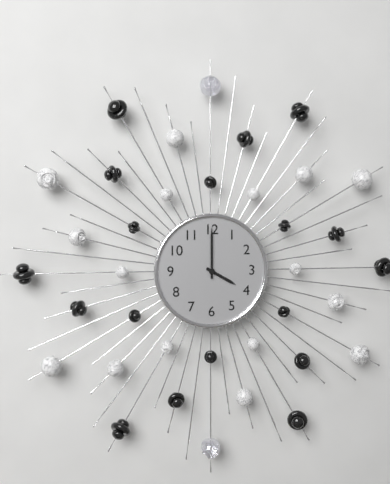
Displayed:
4,00
